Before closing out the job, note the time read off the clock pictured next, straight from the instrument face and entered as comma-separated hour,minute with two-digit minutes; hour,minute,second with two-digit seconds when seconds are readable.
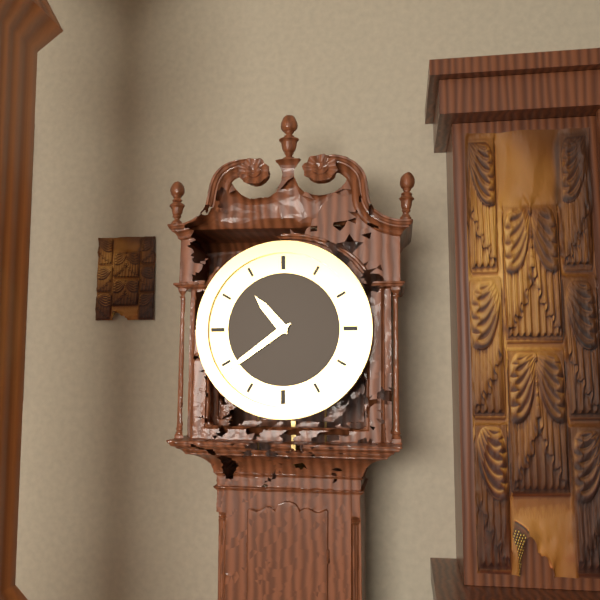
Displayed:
10,39
